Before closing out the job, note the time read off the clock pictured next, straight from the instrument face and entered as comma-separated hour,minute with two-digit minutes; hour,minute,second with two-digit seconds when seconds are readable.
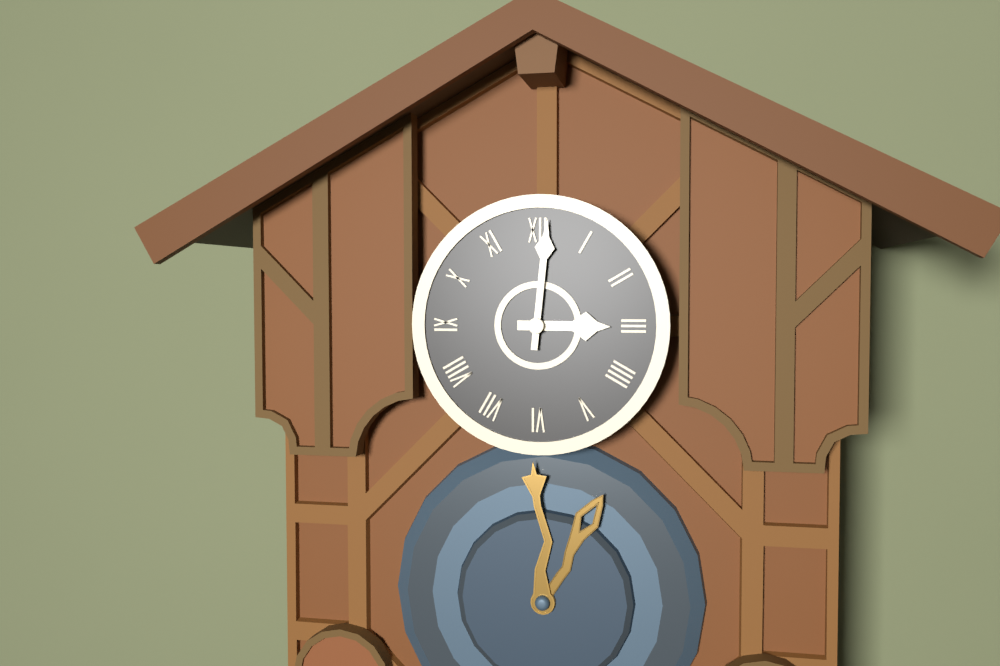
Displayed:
3,01
